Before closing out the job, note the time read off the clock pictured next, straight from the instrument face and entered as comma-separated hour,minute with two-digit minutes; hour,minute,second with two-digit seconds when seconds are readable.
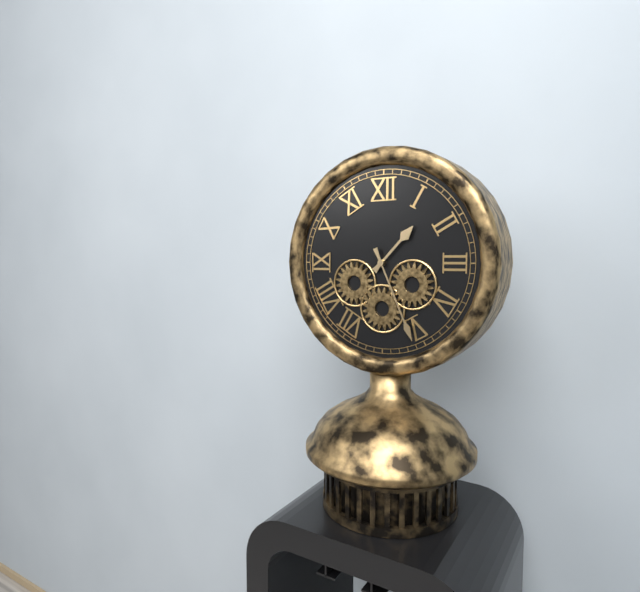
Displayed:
1,26
